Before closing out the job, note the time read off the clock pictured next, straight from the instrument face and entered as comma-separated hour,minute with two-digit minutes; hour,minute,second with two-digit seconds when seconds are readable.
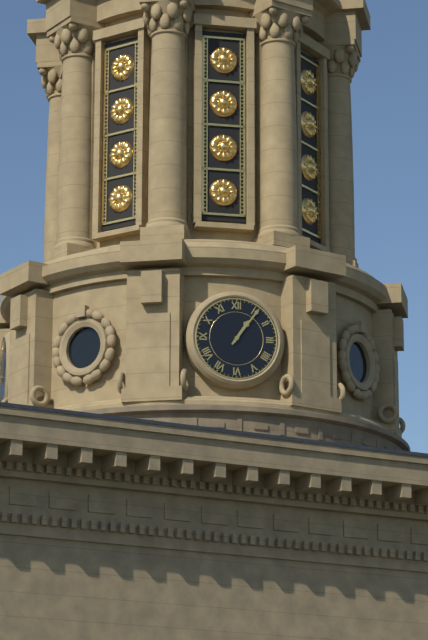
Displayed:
1,06
